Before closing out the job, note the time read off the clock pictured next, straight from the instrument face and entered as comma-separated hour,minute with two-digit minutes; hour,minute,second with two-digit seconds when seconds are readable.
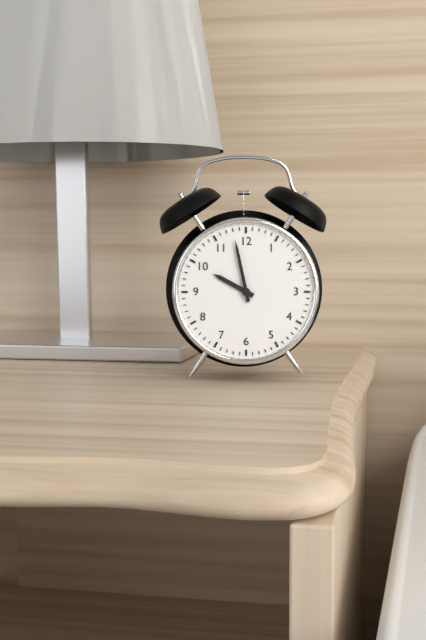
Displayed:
9,58
